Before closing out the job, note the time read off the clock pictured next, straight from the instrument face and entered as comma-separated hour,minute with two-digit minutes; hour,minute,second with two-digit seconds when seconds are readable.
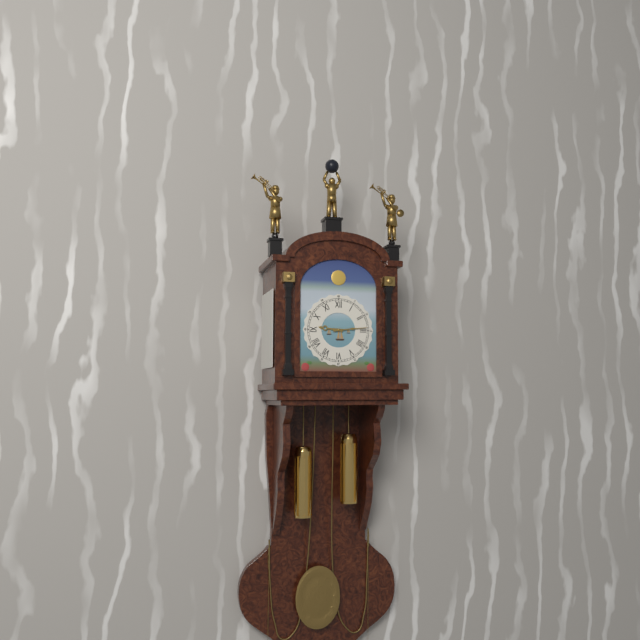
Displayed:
9,14
